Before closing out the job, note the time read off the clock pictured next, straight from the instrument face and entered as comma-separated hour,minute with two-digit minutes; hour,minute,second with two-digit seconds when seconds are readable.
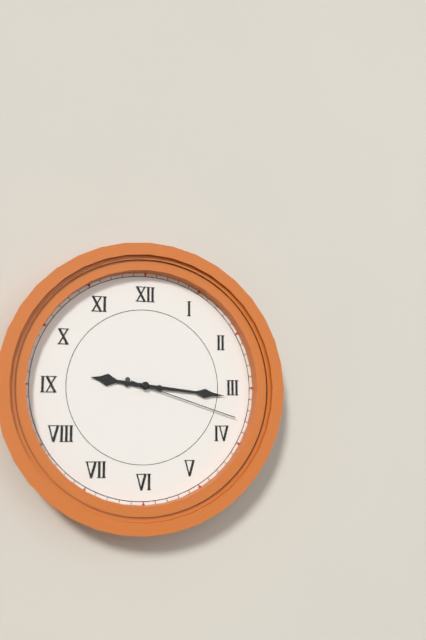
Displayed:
9,16,18
